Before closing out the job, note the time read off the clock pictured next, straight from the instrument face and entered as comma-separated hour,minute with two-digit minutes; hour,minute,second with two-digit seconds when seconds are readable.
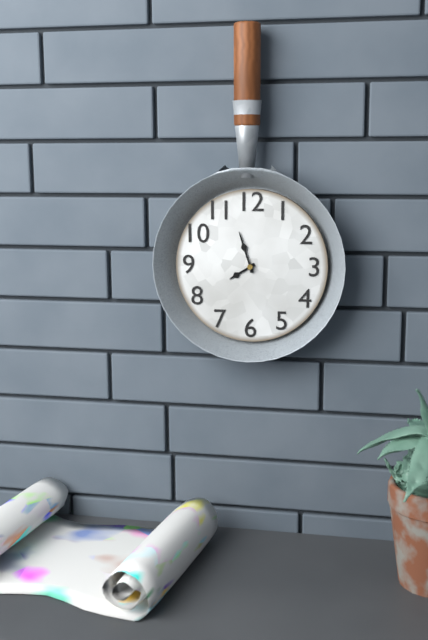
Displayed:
7,57
